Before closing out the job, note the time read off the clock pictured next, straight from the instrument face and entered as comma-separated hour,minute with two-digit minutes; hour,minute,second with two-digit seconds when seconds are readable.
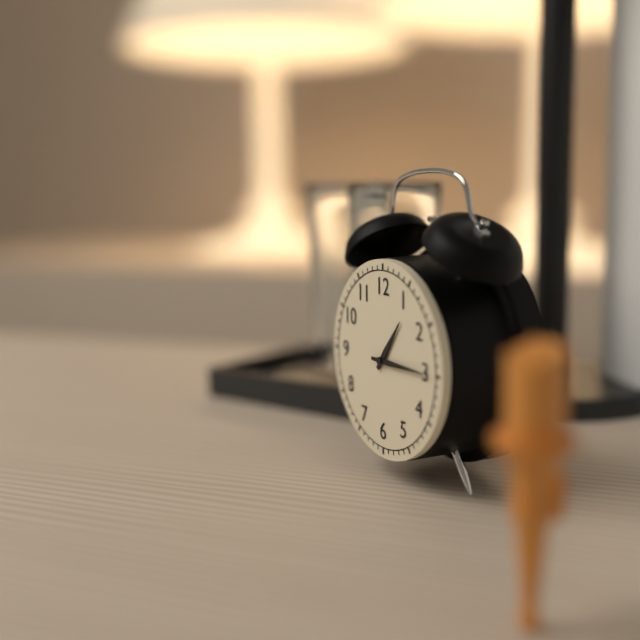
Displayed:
1,15
